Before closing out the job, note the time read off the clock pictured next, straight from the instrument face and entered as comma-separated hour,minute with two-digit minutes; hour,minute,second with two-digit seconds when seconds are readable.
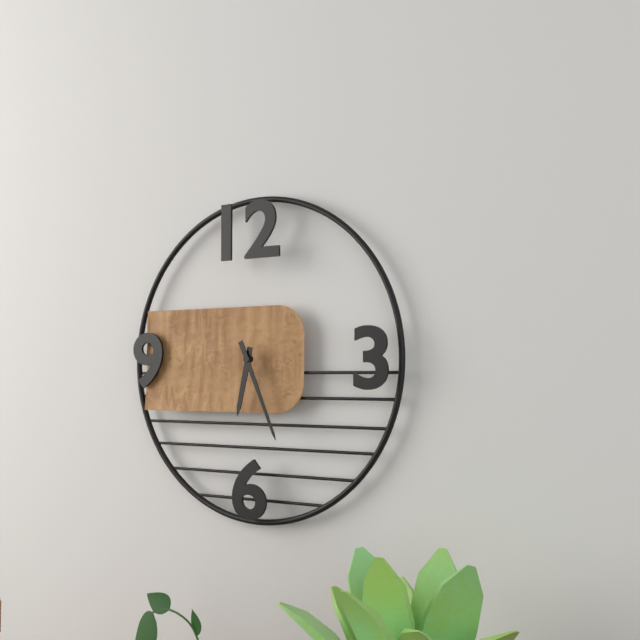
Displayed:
6,26
